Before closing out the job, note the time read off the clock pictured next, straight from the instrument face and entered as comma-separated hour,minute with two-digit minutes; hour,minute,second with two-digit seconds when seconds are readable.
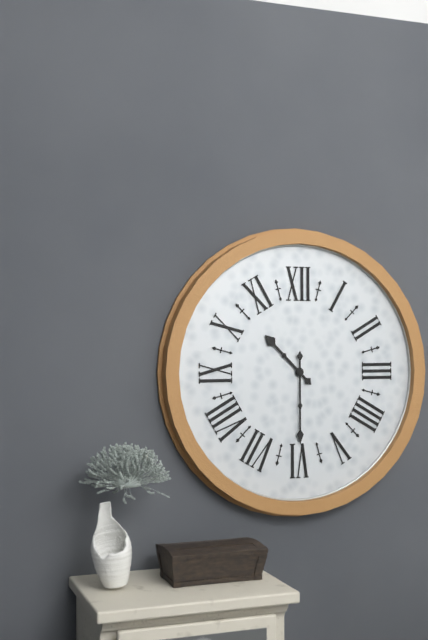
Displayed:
10,30
